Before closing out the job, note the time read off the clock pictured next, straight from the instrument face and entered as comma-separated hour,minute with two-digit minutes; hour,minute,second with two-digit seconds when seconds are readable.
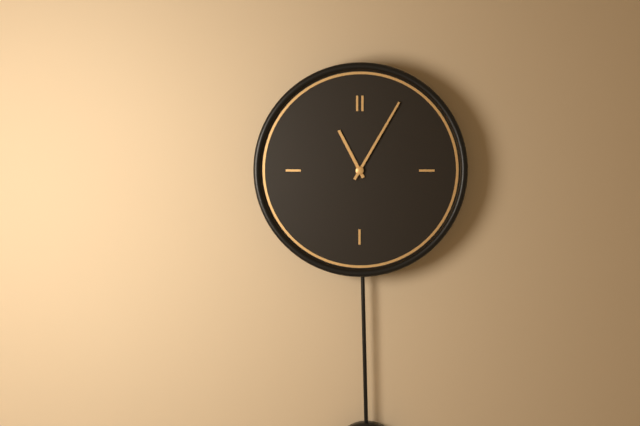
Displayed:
11,05
